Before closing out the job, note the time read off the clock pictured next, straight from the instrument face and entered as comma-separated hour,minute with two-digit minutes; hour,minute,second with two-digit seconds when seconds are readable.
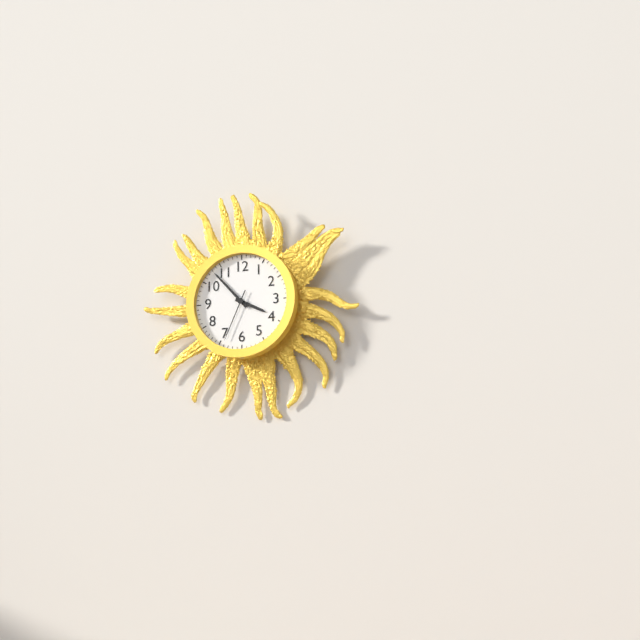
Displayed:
3,53,34
